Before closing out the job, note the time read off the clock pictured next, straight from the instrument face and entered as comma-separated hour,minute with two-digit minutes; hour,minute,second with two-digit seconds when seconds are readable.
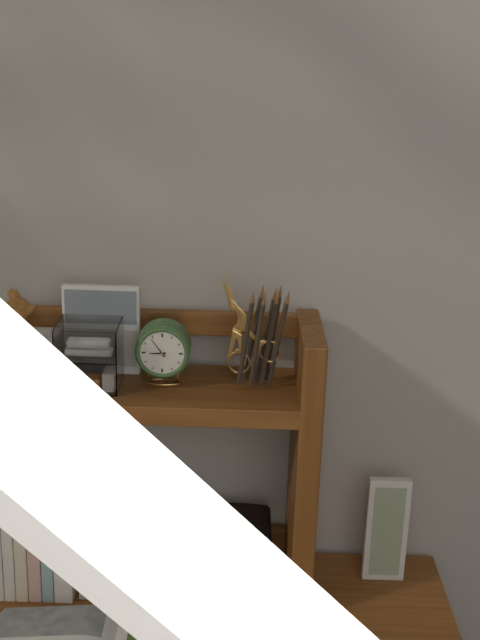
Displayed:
8,54
